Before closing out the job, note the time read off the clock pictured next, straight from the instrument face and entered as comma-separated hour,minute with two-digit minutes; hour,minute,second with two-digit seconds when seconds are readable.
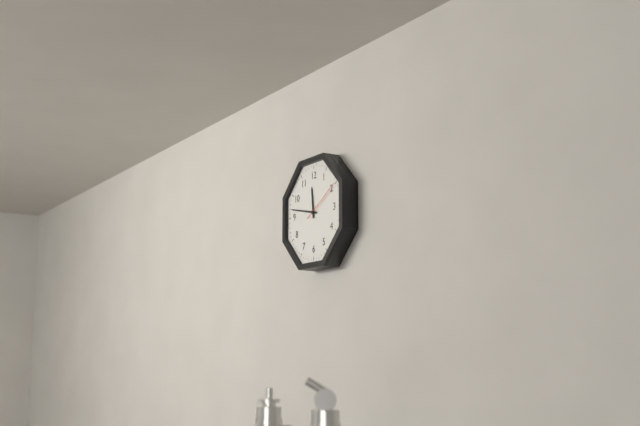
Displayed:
11,47
